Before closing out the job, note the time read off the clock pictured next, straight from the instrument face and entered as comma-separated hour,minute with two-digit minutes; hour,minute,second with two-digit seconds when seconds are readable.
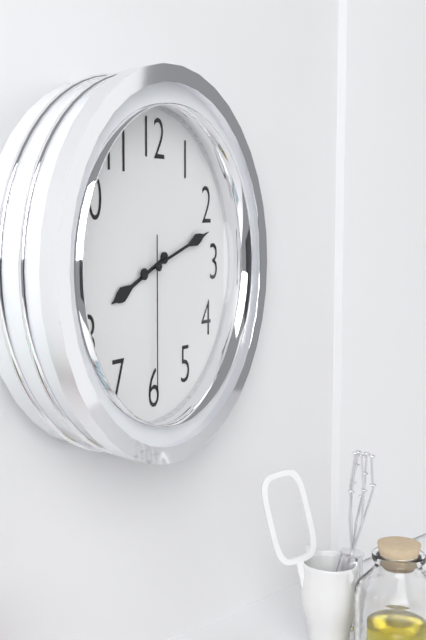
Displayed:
8,12,30
